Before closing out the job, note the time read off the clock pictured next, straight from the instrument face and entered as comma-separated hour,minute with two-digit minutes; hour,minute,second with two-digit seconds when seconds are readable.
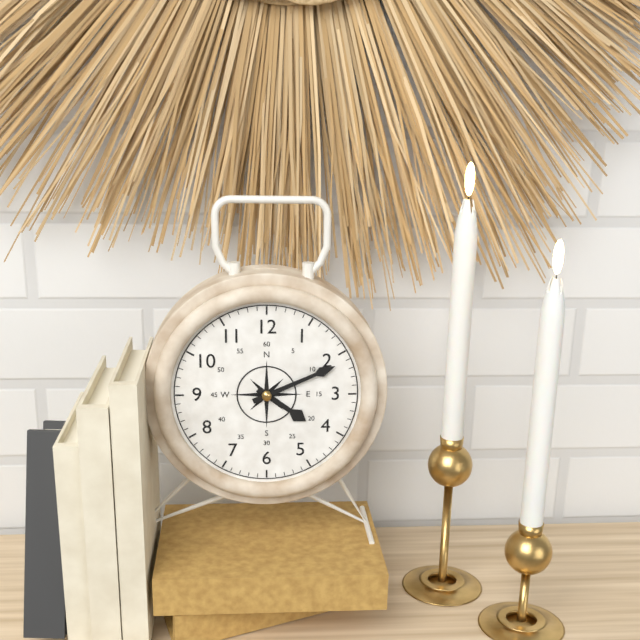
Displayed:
4,11
